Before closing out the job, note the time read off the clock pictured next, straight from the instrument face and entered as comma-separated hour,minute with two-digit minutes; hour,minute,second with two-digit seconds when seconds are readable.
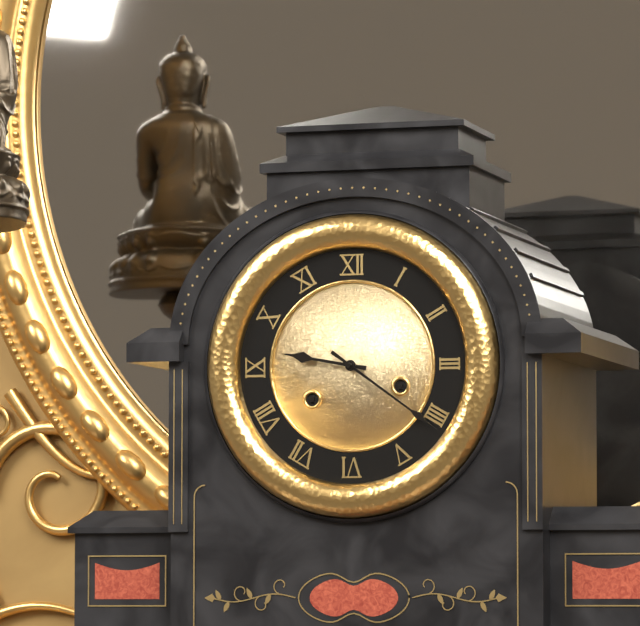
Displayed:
9,21
